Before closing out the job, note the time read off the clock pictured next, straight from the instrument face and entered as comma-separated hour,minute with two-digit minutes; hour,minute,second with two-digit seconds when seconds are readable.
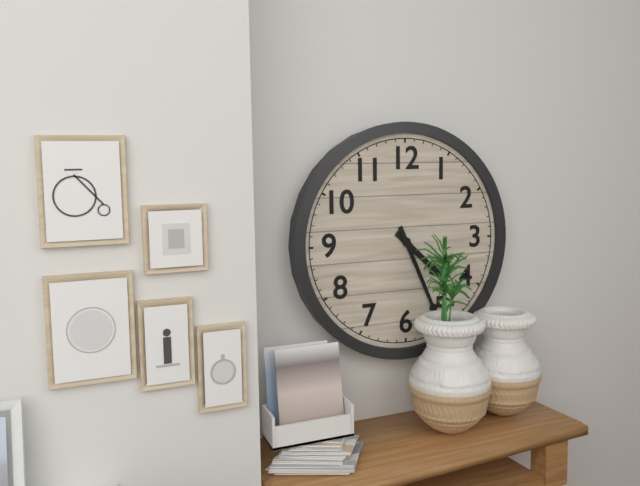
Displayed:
4,26
